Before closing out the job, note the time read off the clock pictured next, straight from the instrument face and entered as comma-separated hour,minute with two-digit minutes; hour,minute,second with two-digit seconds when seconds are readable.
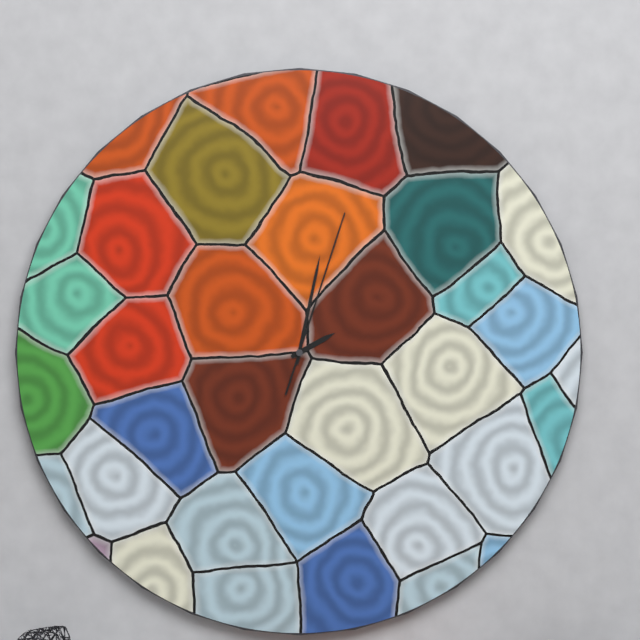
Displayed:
2,02,03
